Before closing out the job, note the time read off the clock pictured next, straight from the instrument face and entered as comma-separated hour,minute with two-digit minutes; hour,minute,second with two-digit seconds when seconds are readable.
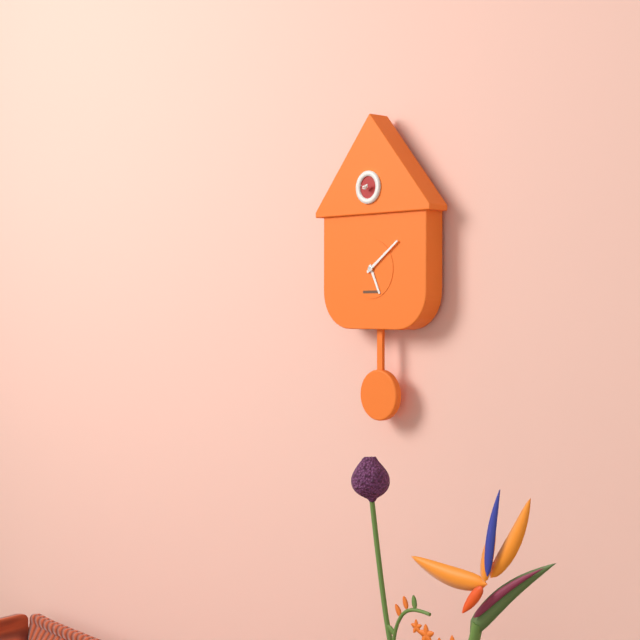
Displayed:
5,09
